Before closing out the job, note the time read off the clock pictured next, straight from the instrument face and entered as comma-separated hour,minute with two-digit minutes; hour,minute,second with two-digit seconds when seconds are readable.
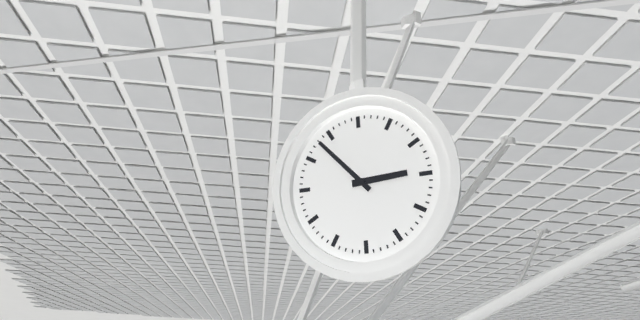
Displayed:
2,53
